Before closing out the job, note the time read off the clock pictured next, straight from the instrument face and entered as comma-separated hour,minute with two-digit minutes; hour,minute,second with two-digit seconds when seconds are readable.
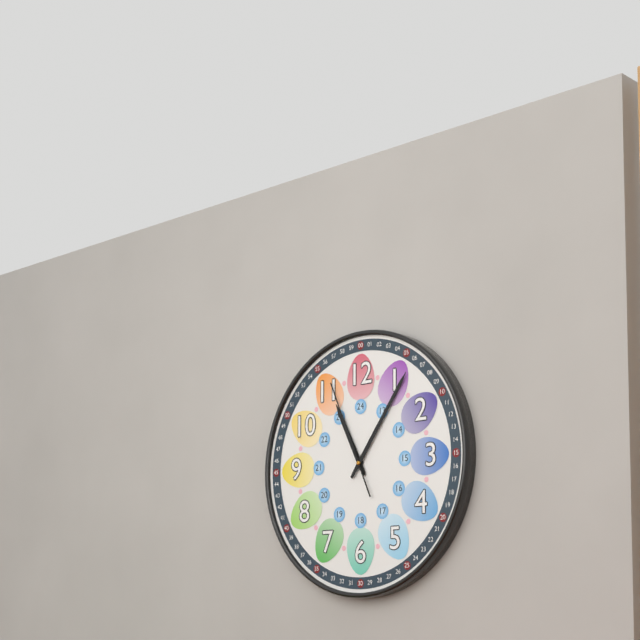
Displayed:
11,06,56
